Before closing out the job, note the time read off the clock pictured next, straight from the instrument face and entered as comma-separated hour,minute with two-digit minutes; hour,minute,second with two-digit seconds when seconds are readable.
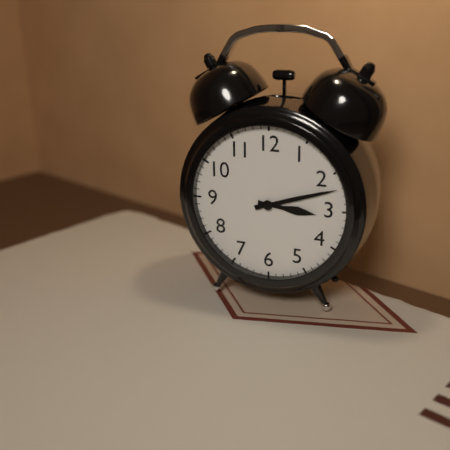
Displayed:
3,12
